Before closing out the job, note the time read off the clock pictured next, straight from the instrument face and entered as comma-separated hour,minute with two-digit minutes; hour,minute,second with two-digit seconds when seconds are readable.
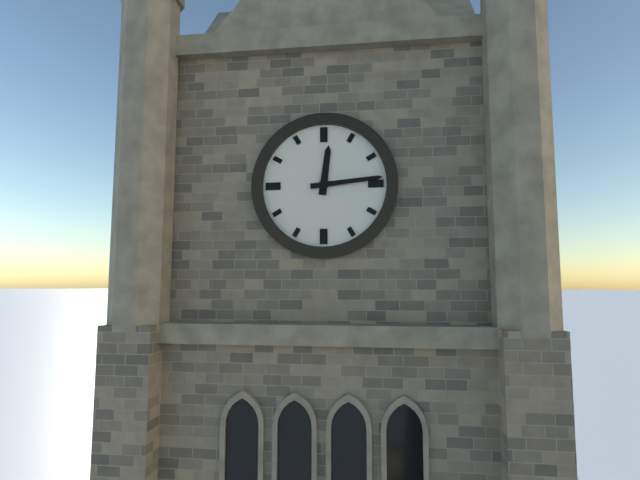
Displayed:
12,14
